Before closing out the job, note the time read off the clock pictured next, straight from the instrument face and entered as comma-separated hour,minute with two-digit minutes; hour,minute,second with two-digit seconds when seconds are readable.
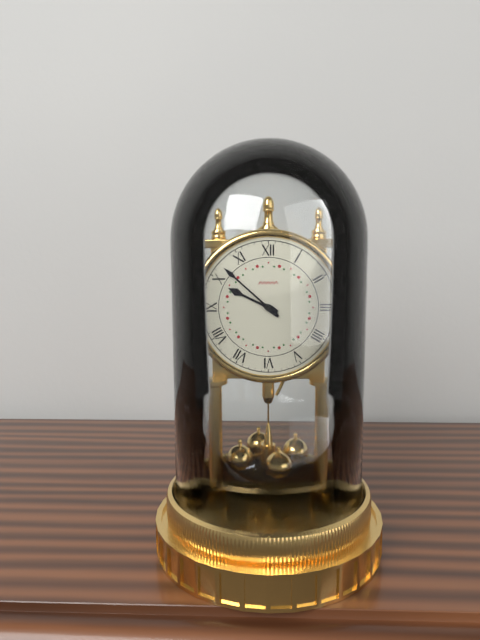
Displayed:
9,52
